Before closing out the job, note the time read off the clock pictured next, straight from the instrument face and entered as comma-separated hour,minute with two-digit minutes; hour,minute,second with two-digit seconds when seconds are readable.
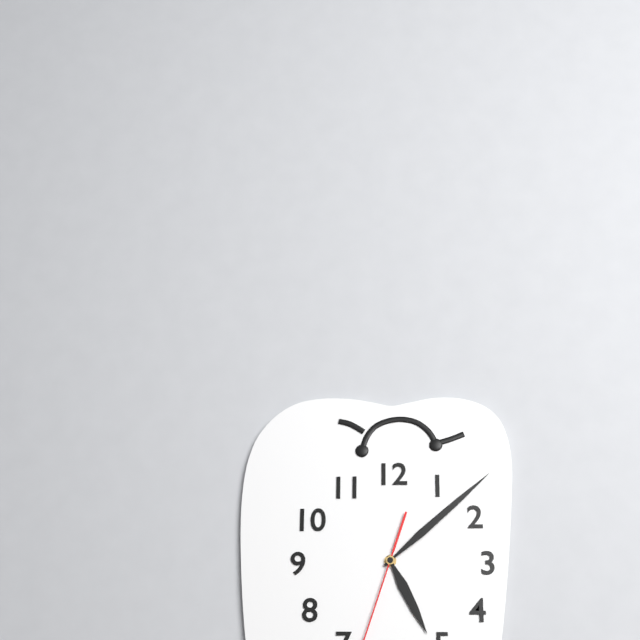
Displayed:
5,08
